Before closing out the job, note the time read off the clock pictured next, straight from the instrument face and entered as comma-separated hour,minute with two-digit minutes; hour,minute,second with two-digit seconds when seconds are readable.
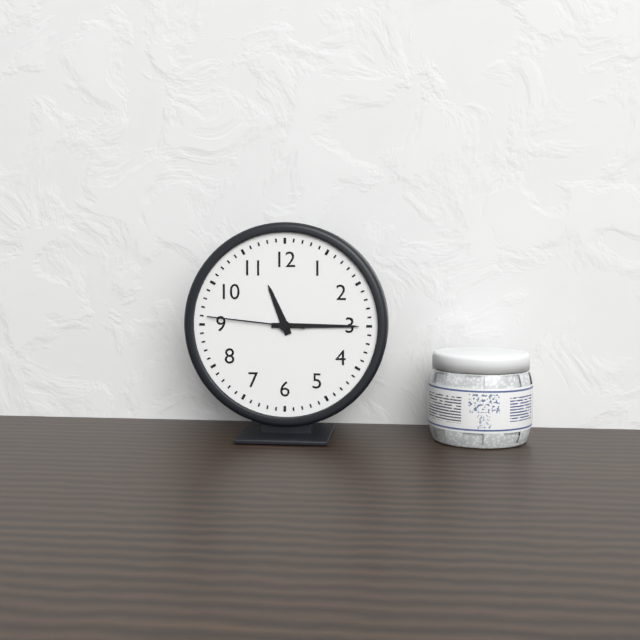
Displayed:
11,15,46
